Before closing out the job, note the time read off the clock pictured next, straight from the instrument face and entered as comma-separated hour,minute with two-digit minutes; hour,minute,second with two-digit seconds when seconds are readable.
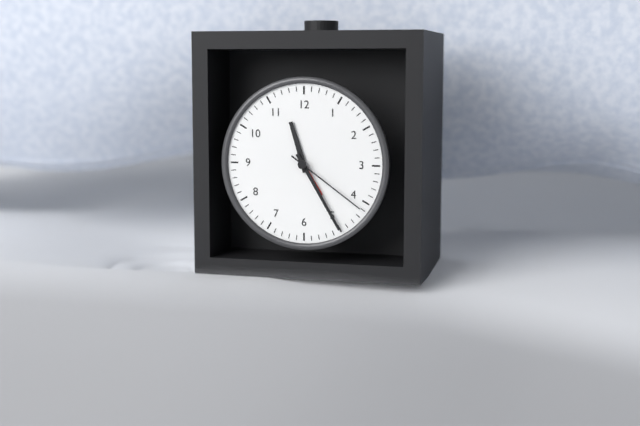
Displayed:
11,25,21
